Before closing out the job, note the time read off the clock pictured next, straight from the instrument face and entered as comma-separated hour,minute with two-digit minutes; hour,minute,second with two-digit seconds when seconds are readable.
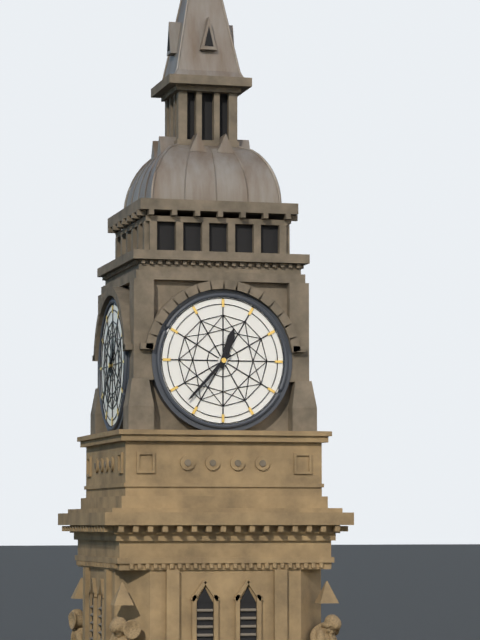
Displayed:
12,37
